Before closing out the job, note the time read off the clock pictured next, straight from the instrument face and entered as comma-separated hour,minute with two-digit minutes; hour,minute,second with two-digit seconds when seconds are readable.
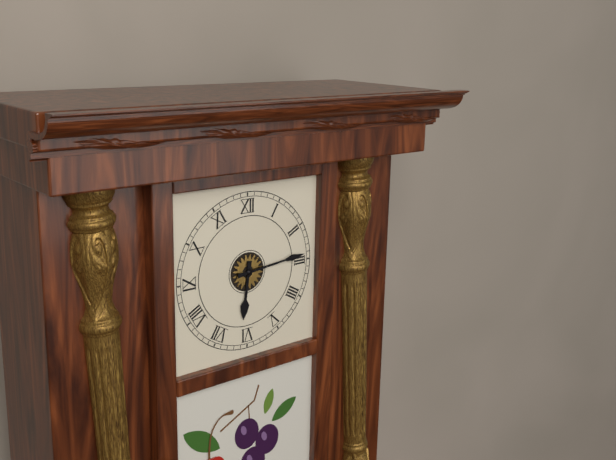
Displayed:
6,14
